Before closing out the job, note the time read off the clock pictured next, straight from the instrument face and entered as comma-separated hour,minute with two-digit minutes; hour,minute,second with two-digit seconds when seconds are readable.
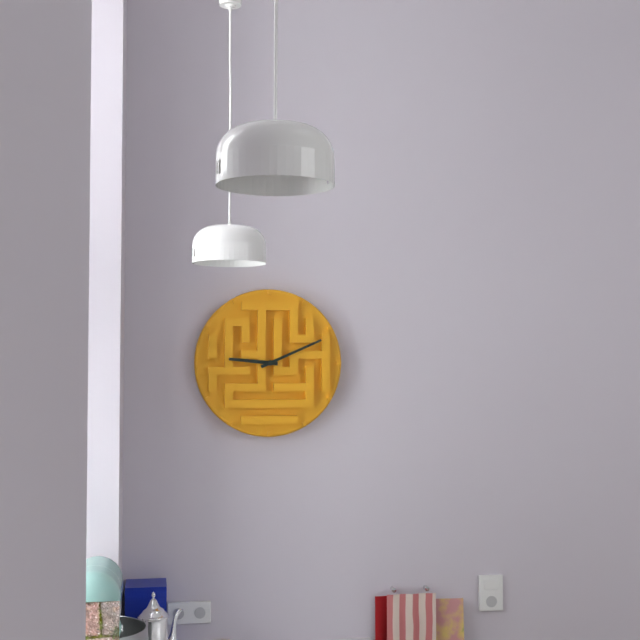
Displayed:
9,11
